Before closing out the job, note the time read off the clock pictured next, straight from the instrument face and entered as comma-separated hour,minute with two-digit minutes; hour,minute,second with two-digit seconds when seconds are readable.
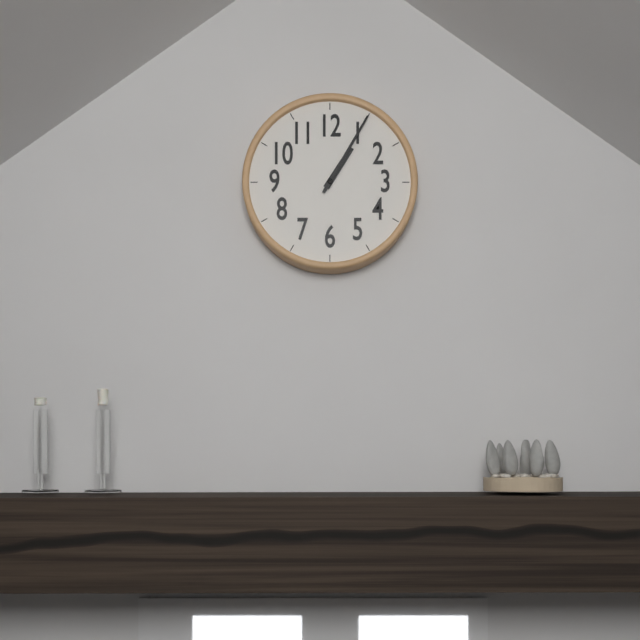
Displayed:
1,05
